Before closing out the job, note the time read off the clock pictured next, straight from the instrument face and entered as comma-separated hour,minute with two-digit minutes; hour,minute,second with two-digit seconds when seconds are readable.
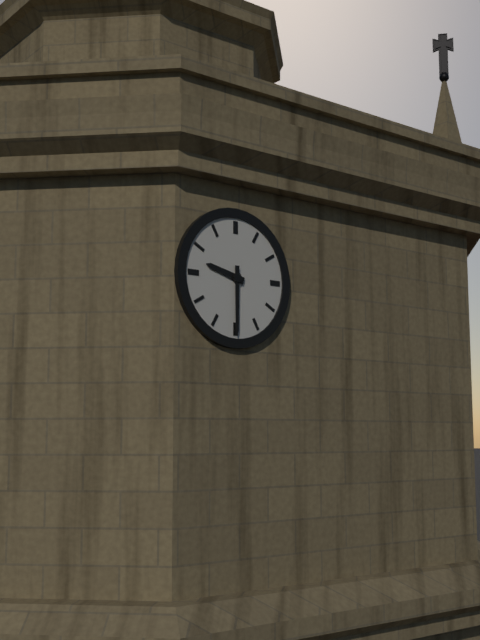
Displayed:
9,30
